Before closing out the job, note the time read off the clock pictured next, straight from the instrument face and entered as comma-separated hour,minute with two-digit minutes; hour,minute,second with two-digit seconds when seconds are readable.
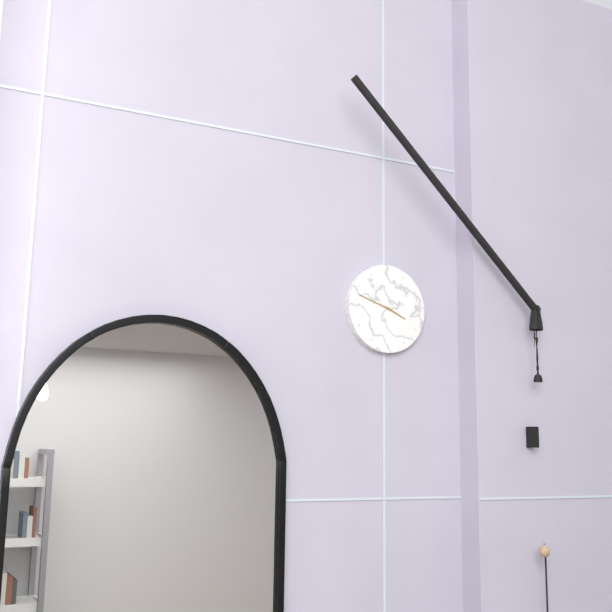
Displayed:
3,48
